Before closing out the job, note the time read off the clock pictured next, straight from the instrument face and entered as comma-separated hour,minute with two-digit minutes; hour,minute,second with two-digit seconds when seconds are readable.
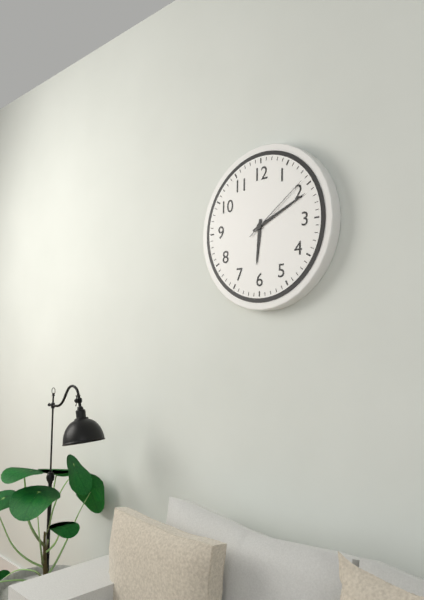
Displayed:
6,11,09
